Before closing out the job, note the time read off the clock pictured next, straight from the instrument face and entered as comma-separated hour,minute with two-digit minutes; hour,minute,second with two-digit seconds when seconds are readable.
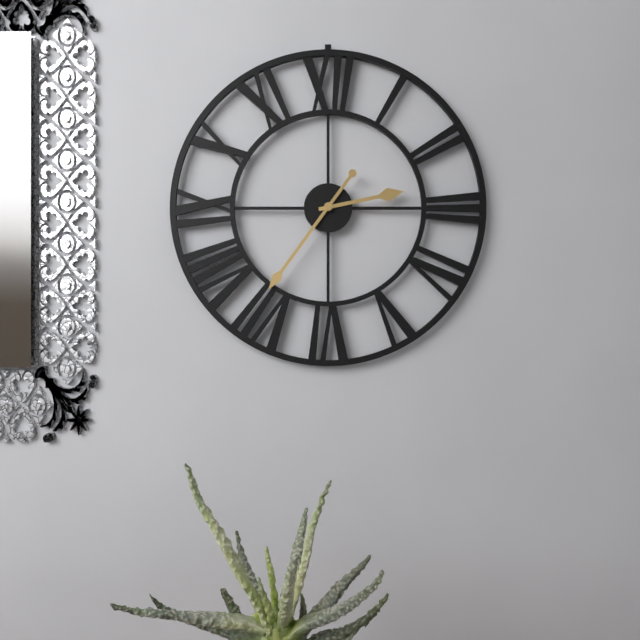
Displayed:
2,36
